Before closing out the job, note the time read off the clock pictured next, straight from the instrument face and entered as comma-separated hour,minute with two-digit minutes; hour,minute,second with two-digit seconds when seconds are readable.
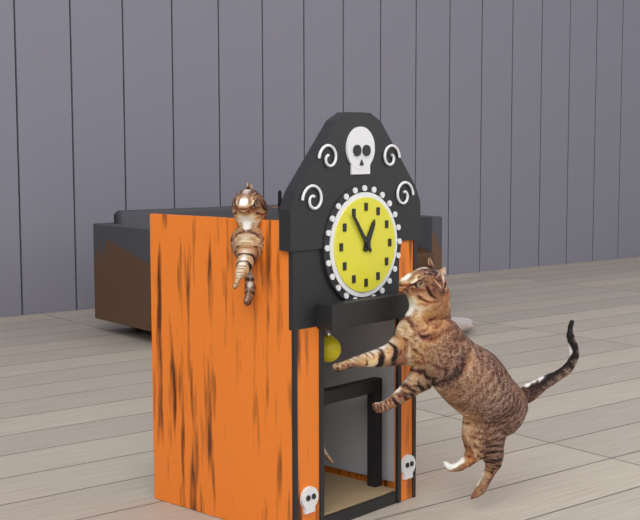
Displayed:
12,54
